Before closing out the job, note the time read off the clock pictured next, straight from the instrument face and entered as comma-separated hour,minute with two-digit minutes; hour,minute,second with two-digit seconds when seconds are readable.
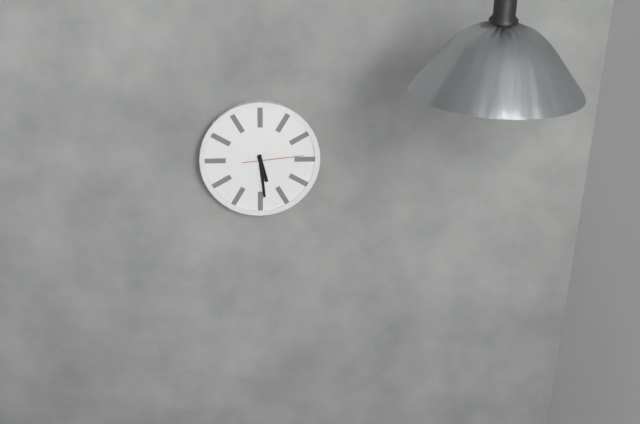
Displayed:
5,29,14
